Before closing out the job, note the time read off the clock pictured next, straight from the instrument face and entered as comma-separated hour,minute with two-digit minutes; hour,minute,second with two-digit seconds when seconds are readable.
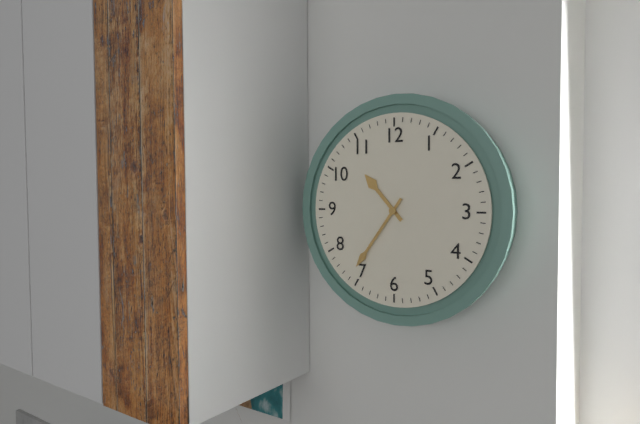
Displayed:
10,36
